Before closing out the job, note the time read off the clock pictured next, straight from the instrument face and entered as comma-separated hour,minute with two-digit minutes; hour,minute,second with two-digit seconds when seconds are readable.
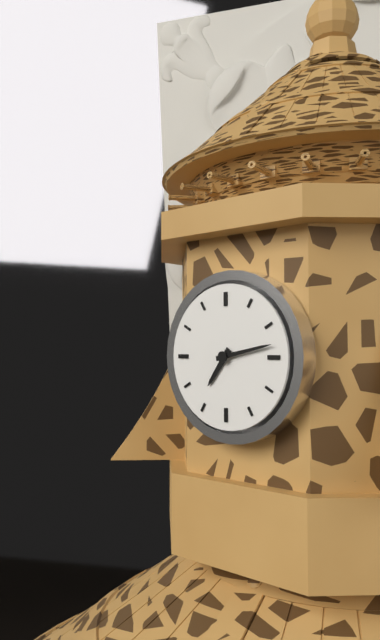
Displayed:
7,13
